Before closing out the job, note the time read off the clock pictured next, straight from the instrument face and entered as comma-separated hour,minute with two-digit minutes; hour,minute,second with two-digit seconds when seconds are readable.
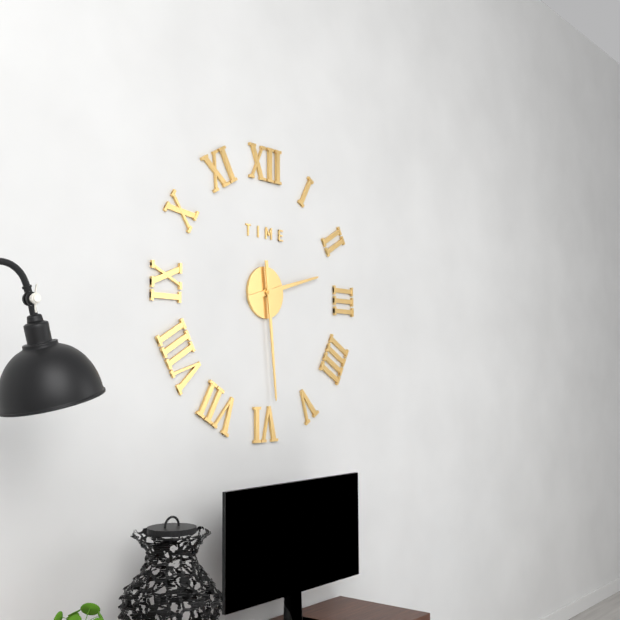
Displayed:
2,29
